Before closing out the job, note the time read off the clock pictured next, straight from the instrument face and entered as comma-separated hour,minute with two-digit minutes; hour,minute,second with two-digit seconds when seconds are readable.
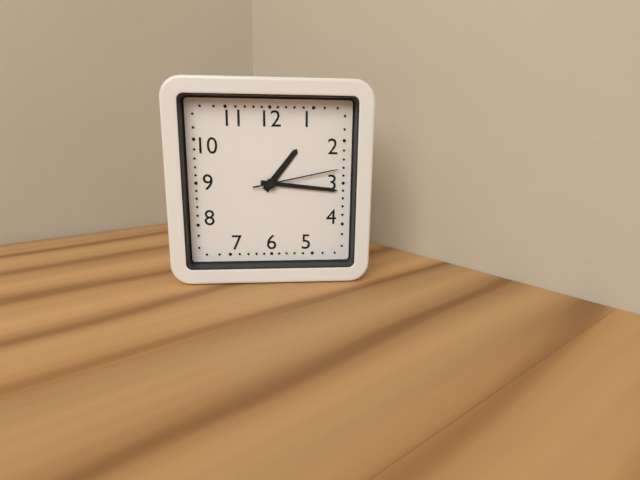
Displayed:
1,16,13
